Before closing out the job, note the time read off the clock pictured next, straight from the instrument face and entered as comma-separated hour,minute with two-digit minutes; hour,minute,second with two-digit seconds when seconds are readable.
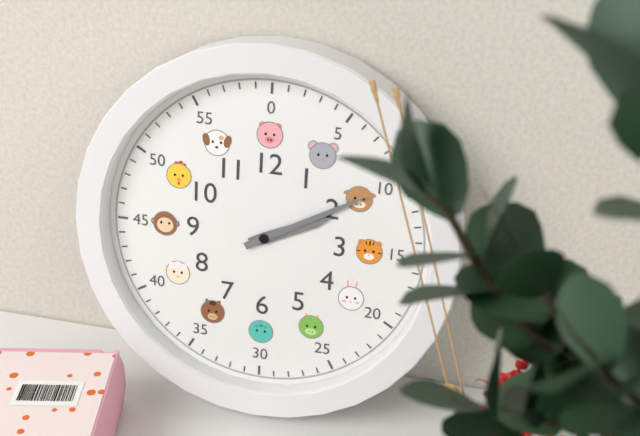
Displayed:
2,10
